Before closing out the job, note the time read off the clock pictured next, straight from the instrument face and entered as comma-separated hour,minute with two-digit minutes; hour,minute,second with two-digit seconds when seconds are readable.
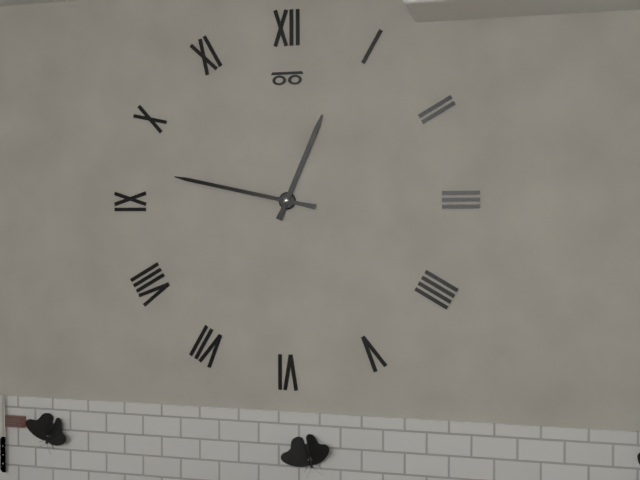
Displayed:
12,47
